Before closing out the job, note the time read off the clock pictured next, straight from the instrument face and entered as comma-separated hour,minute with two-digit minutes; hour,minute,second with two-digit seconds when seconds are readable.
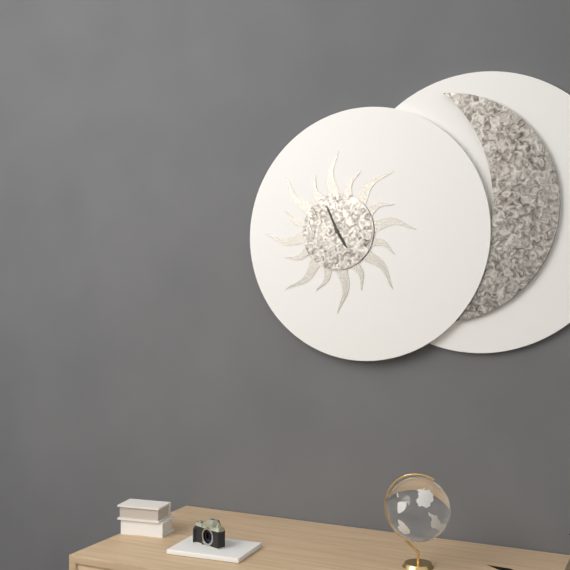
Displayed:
4,56
